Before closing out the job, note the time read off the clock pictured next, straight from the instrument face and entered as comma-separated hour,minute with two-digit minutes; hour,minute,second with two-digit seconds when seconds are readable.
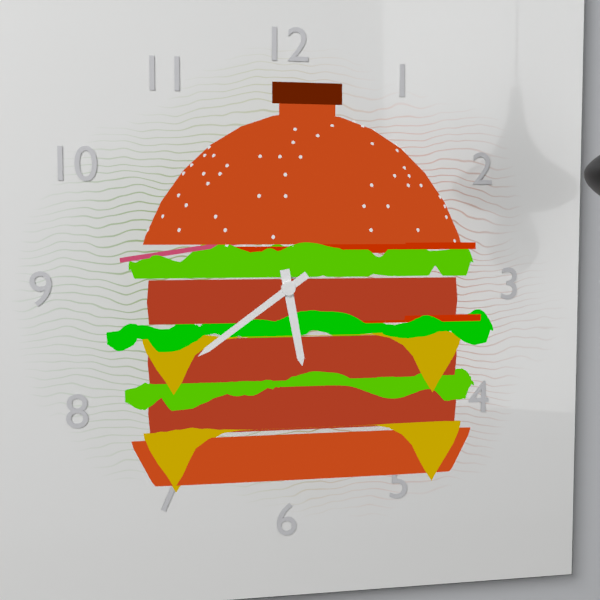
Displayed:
5,39
